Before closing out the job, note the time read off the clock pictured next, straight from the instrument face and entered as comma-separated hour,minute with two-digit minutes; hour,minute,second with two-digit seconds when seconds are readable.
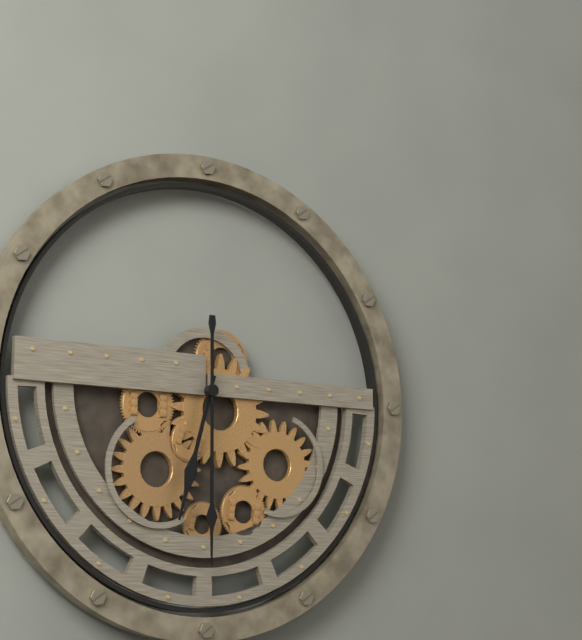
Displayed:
6,30
